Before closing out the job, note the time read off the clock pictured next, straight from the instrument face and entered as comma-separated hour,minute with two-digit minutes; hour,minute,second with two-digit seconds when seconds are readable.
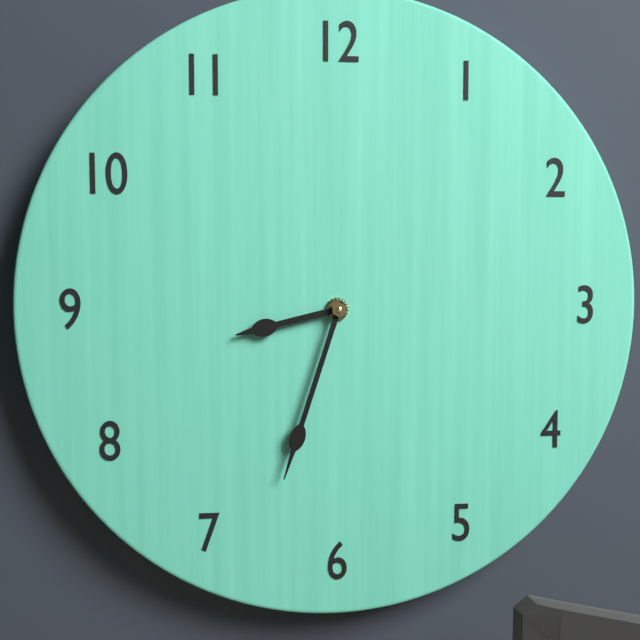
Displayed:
8,33
